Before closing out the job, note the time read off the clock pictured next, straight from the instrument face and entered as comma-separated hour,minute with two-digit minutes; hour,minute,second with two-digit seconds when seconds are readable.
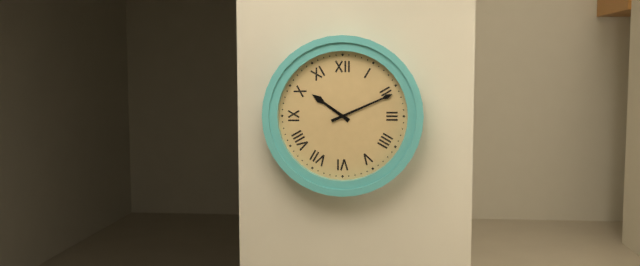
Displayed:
10,11
